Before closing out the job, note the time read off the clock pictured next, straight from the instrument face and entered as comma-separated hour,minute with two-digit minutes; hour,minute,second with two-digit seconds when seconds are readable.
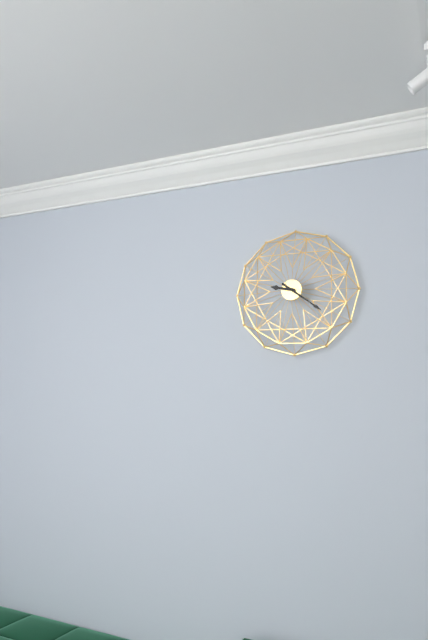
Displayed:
9,21
